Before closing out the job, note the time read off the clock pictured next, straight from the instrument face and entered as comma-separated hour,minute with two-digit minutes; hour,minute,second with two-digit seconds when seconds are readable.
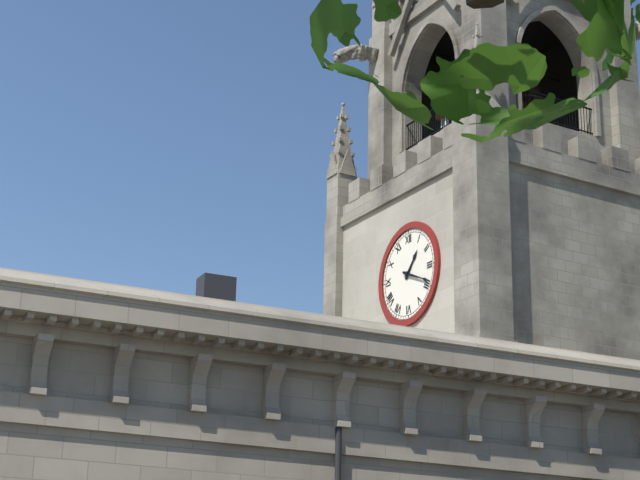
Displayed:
1,19
